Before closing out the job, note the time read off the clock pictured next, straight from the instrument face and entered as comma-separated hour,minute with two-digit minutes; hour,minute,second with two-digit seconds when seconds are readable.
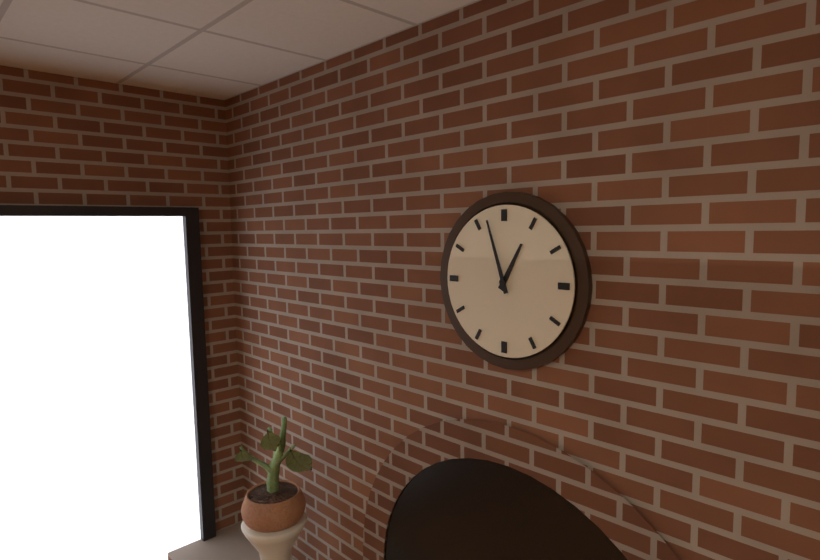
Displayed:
12,57
